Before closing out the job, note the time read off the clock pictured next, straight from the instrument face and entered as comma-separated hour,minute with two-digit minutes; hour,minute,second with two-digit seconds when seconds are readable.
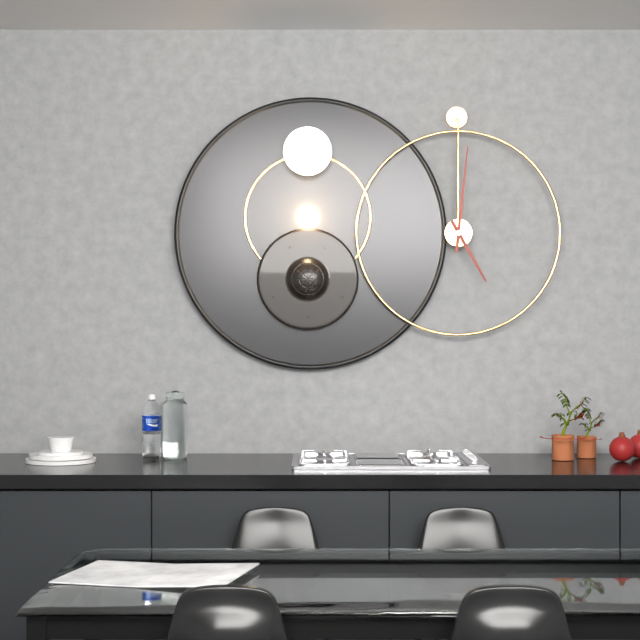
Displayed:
5,01
